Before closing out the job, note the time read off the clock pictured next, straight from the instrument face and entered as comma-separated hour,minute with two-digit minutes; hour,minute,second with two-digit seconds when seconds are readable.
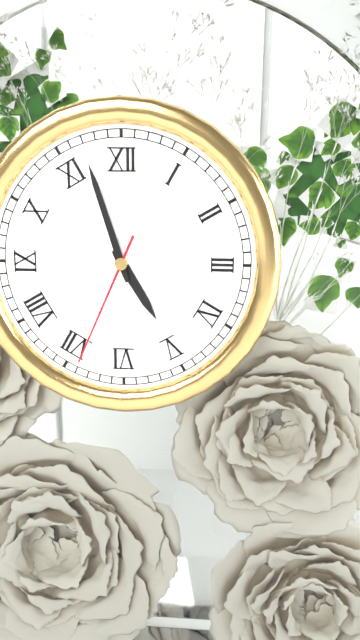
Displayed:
4,57,34
